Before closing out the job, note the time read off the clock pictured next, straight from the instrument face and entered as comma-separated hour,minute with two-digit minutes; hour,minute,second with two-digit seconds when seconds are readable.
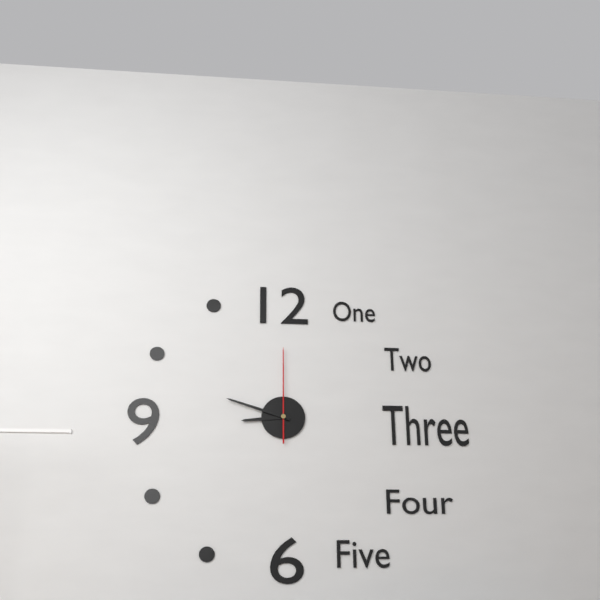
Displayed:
8,48,00
